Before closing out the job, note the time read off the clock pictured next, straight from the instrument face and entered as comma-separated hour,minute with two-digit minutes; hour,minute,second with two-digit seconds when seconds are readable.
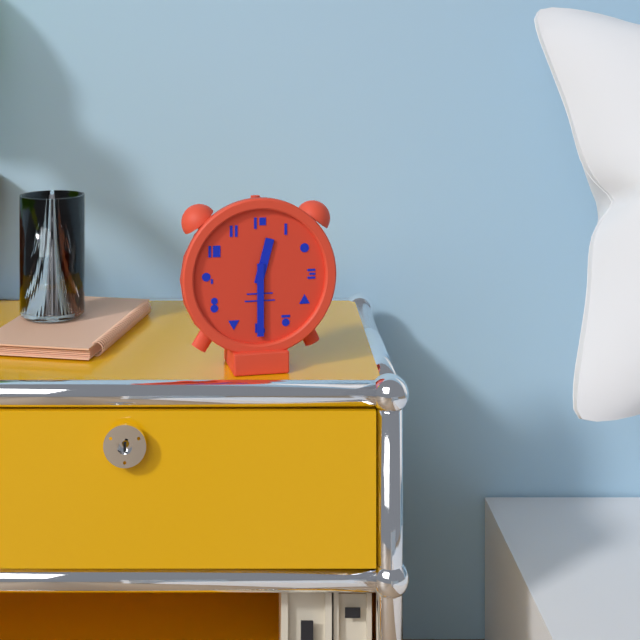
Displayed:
12,30
